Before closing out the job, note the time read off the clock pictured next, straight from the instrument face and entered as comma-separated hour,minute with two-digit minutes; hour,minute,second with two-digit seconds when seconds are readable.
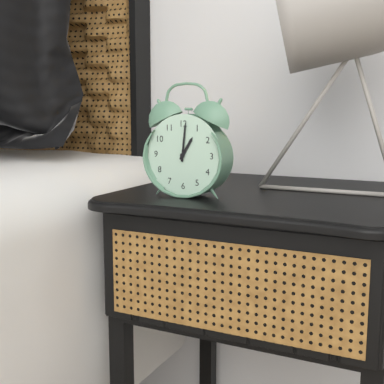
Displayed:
1,01
